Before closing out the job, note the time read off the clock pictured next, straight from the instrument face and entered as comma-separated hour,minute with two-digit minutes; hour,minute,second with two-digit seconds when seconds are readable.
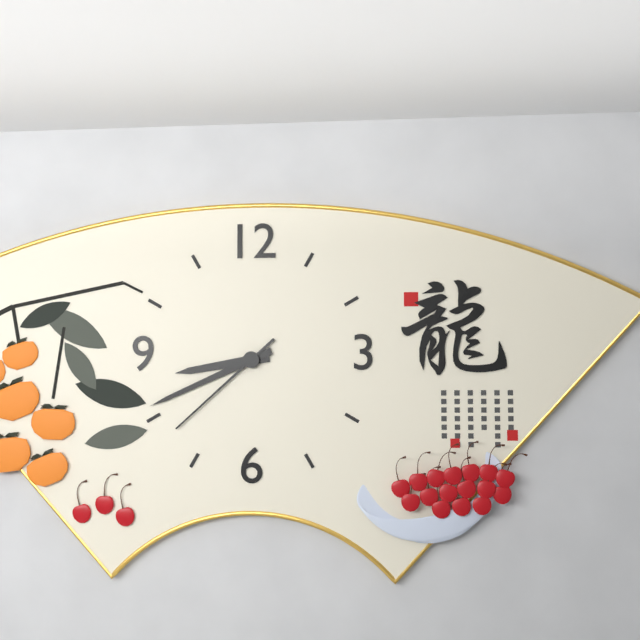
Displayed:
8,41,38
